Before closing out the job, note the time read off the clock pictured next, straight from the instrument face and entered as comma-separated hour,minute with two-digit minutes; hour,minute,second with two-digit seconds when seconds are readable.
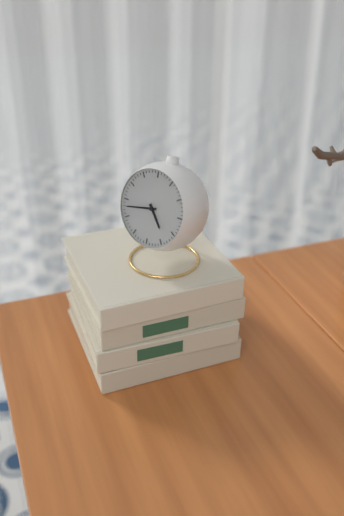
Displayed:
4,43
